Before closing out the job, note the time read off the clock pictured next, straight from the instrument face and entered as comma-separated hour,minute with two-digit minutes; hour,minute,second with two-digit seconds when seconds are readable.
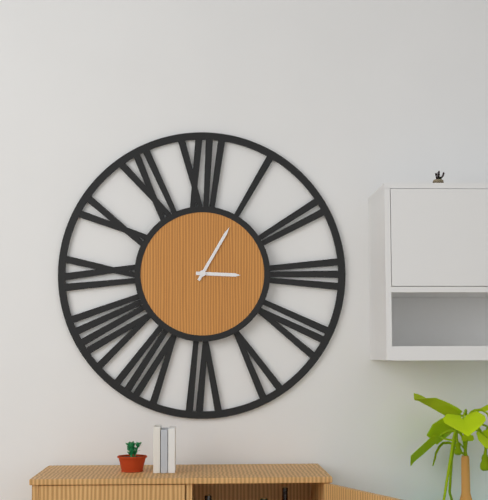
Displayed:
3,05
